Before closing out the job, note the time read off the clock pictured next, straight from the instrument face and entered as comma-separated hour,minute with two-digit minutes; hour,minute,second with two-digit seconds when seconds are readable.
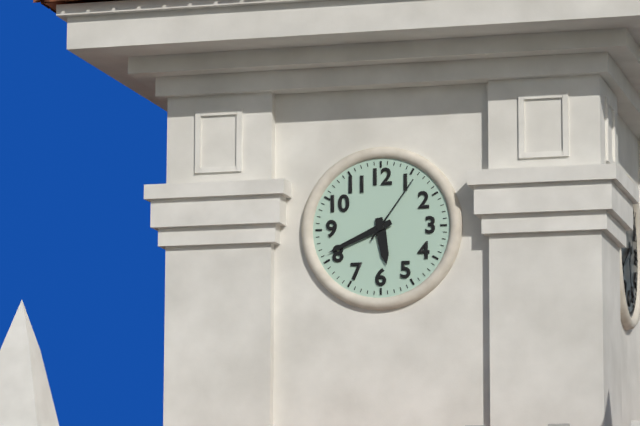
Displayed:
5,41,06
